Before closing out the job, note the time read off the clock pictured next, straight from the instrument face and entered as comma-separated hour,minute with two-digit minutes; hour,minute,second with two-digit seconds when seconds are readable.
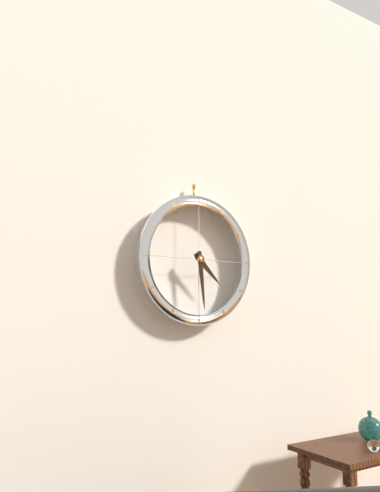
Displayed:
4,29
